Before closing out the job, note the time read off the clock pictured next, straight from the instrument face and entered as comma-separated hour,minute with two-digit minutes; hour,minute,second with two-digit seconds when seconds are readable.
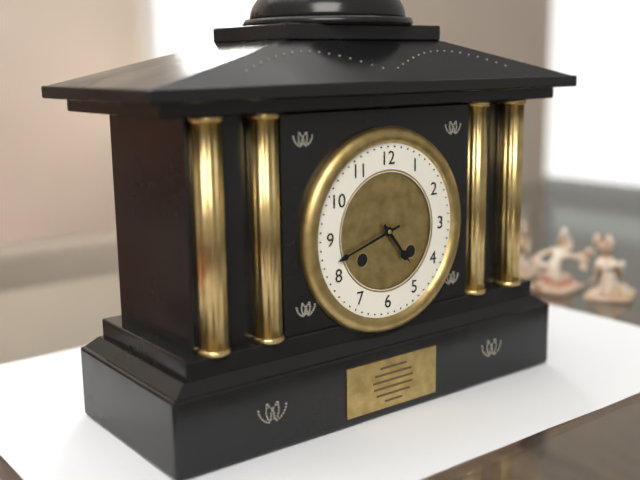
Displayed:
4,42
